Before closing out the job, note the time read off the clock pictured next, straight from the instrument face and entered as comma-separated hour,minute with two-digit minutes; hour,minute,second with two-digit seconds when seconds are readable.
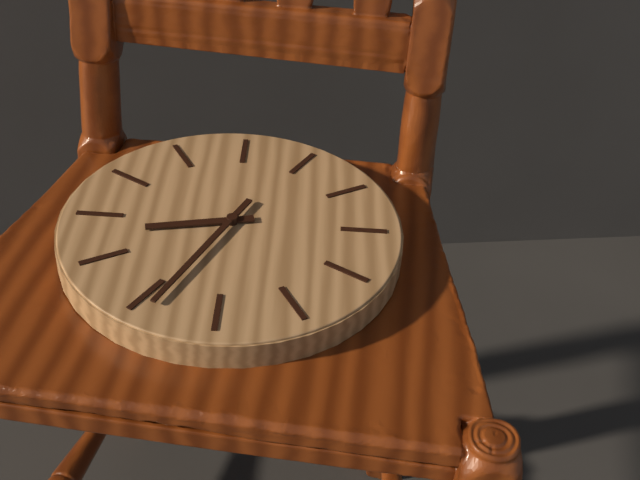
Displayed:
8,34
